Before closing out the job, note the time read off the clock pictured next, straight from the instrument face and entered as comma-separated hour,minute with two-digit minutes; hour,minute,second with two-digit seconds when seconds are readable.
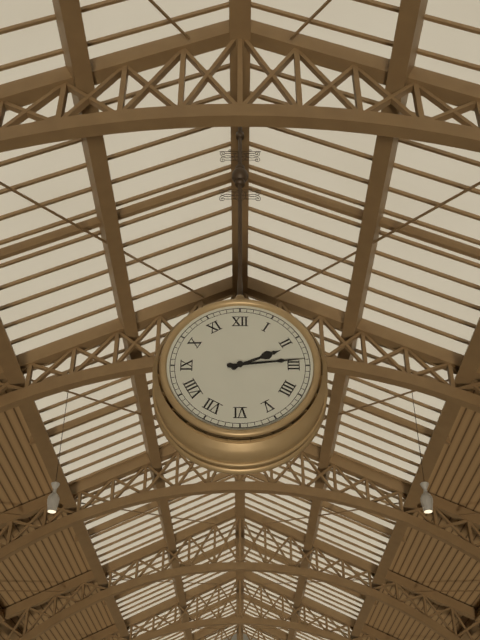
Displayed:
2,14
